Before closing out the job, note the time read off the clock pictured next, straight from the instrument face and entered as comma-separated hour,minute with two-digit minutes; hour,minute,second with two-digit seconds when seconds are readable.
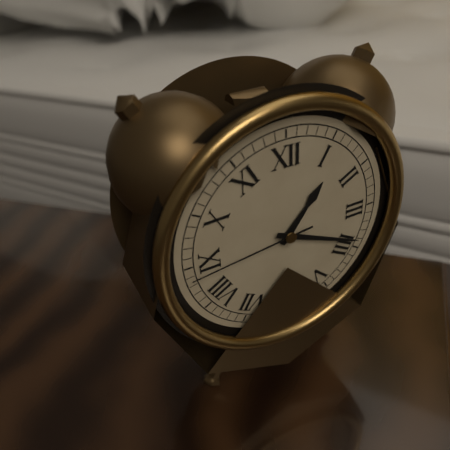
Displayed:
1,19,44
